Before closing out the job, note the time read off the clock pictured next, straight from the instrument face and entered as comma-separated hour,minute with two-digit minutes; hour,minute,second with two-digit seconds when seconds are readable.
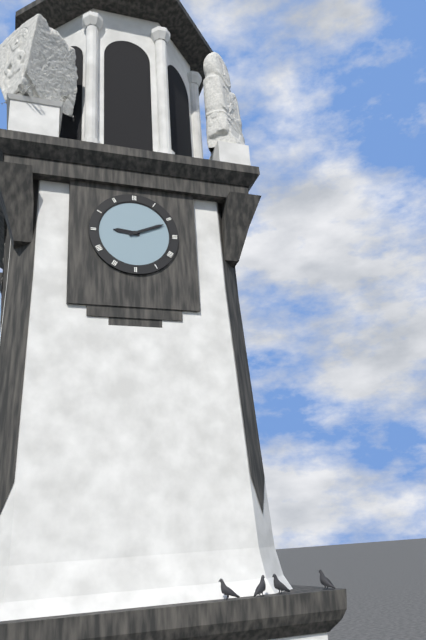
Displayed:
9,11
